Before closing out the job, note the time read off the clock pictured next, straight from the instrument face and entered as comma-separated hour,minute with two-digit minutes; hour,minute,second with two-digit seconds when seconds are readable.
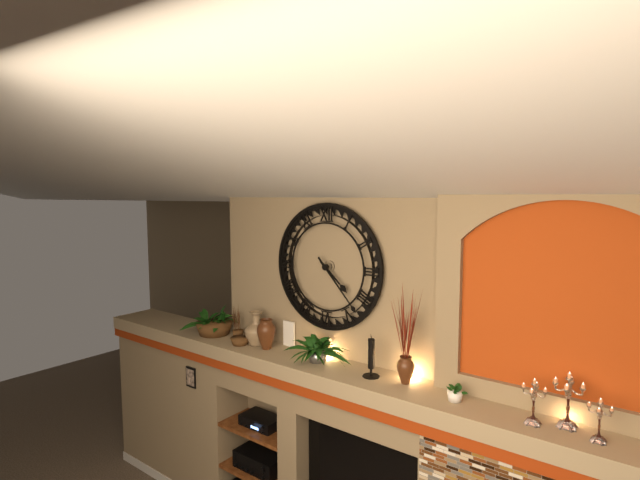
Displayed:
4,23
